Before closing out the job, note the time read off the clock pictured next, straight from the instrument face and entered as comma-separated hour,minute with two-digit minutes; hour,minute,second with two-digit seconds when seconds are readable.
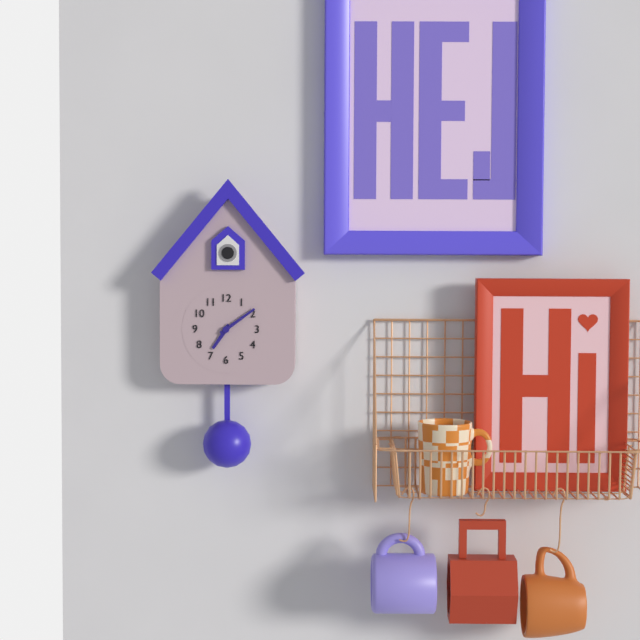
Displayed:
7,09
